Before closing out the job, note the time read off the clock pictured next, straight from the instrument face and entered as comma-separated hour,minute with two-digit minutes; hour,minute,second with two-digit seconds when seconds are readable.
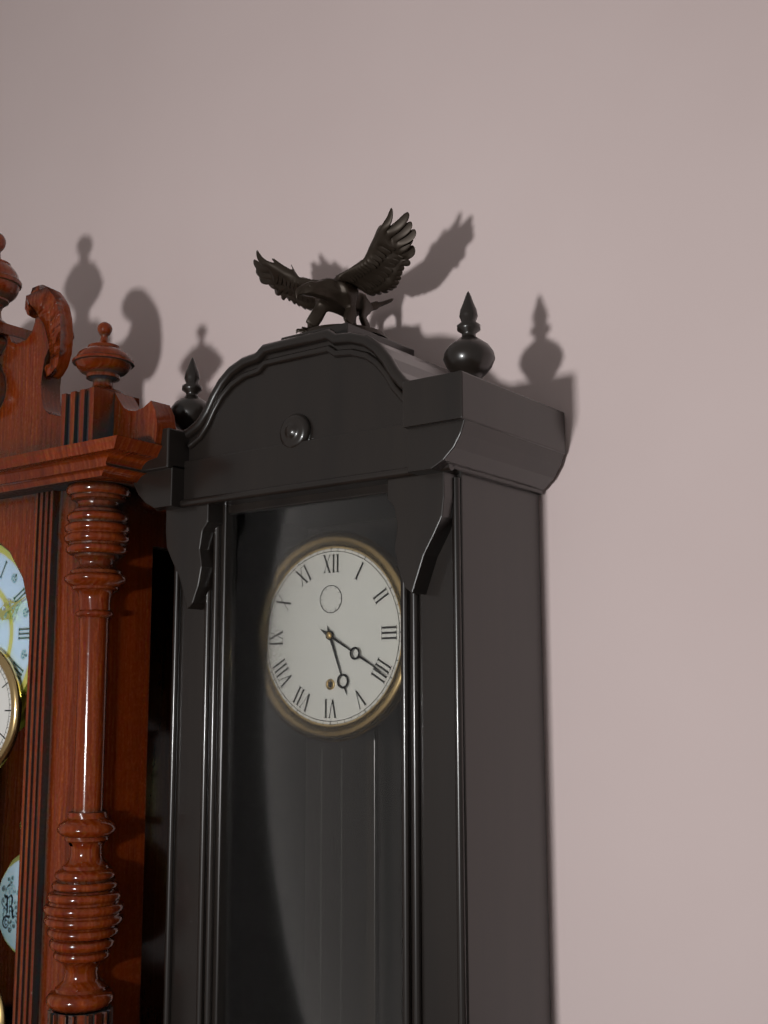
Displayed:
5,20
